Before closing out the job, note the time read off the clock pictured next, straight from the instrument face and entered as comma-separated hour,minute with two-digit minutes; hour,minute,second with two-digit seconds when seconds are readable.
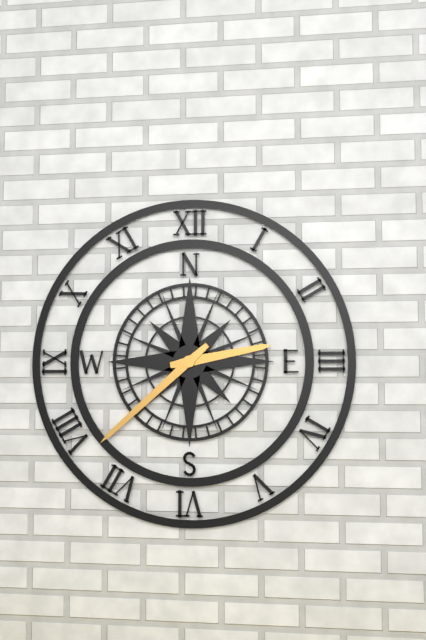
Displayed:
2,38
